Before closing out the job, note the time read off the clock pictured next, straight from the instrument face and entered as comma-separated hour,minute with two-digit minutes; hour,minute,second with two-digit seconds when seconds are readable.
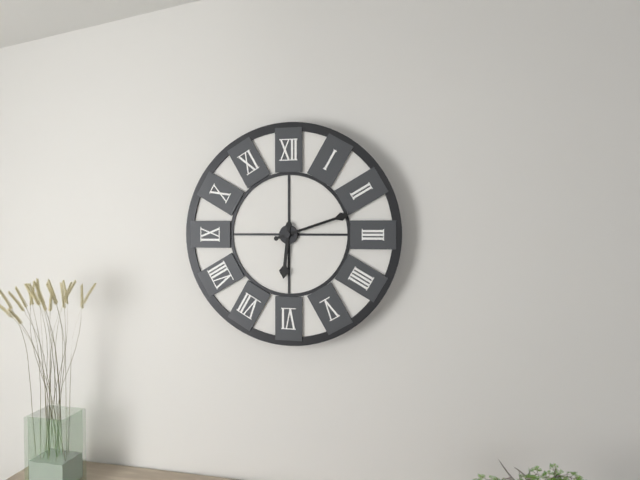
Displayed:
6,12
